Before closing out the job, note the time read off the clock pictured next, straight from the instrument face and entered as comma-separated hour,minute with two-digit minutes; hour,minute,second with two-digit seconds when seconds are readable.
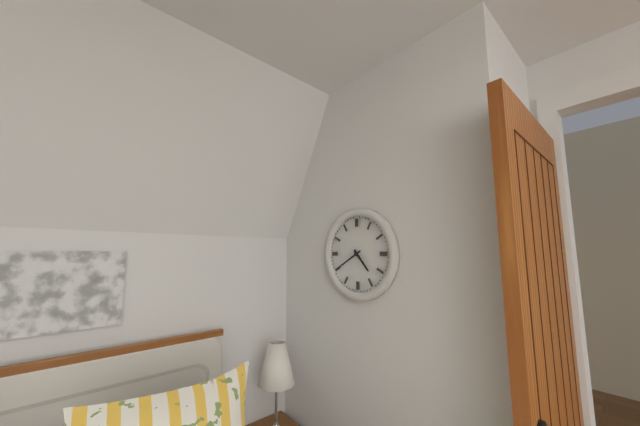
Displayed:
4,40
